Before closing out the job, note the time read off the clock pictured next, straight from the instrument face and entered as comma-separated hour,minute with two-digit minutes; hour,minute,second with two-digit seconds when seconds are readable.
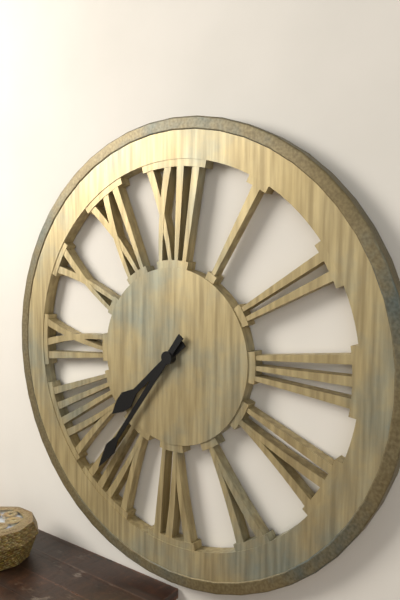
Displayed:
7,36
